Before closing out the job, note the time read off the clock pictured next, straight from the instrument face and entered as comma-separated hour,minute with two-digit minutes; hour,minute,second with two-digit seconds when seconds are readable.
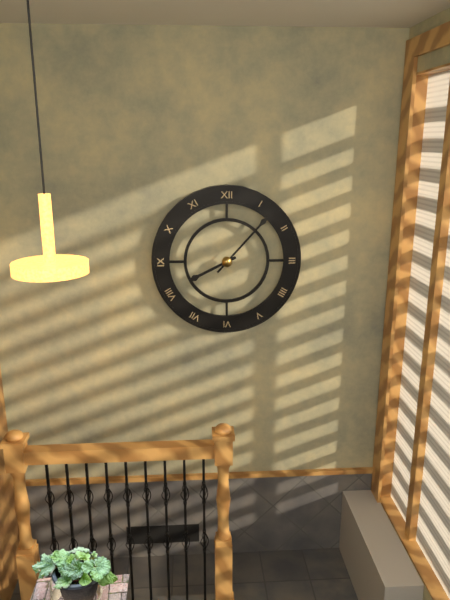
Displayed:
8,07
